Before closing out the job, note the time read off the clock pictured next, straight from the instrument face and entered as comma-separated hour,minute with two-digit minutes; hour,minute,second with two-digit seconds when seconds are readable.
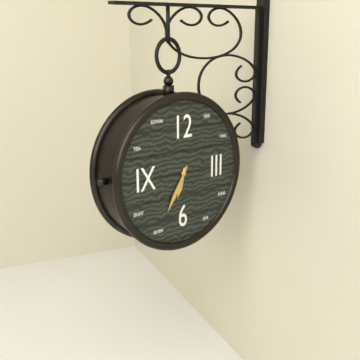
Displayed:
6,35
